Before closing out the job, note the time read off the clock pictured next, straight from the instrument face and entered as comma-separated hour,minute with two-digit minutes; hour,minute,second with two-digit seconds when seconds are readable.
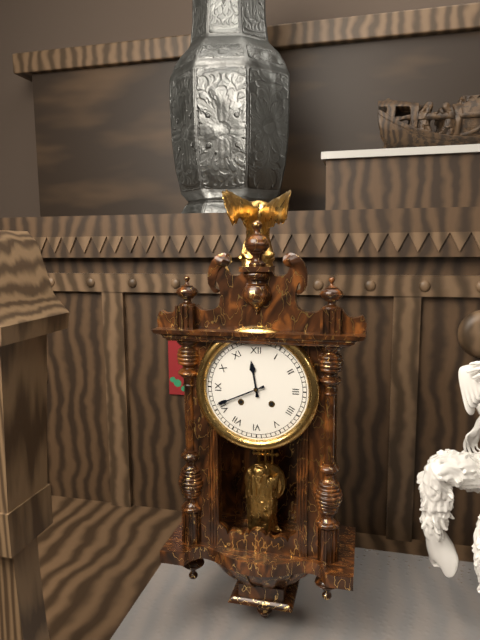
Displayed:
11,41
